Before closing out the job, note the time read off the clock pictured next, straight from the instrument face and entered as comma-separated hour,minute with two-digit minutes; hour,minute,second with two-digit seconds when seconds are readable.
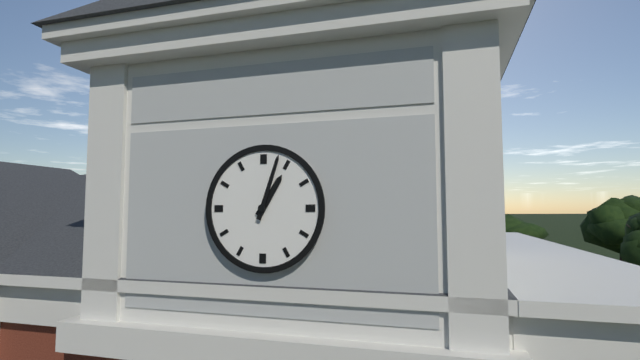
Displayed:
1,03
